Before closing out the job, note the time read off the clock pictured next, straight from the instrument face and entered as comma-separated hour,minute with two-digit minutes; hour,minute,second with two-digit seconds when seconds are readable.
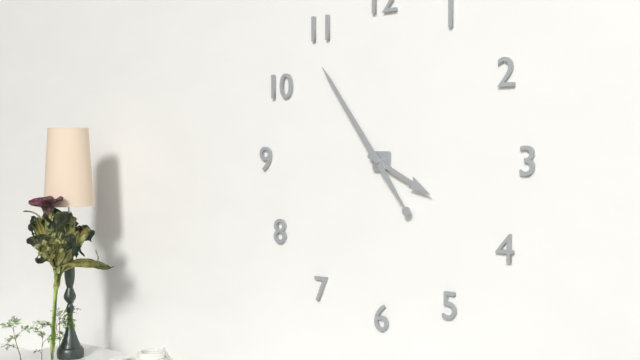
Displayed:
3,54
